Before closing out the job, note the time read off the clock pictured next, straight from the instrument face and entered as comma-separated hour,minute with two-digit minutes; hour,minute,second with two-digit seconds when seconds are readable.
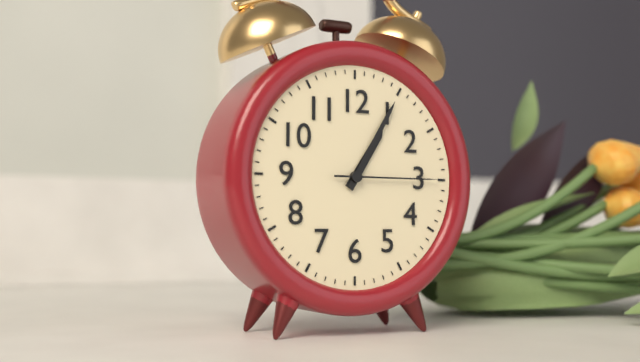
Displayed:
1,05,15
